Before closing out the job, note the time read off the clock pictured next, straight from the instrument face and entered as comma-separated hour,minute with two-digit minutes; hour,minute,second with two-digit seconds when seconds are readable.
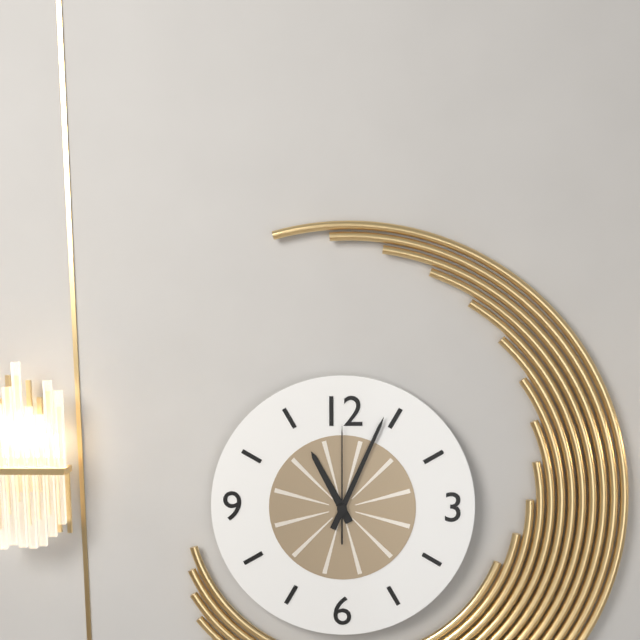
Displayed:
11,04,00
